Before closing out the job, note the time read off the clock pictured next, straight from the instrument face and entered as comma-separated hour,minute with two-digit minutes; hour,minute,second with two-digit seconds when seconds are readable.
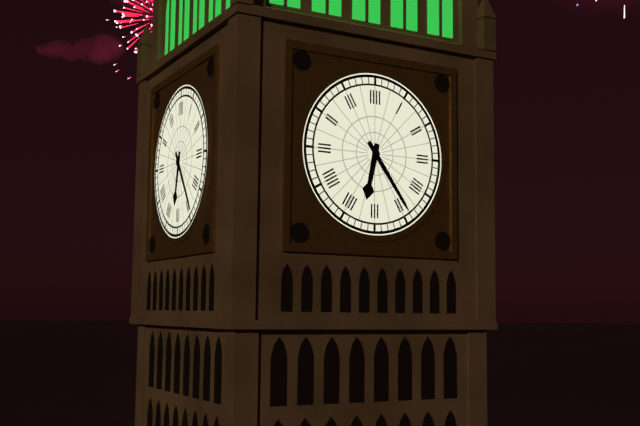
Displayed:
6,24
